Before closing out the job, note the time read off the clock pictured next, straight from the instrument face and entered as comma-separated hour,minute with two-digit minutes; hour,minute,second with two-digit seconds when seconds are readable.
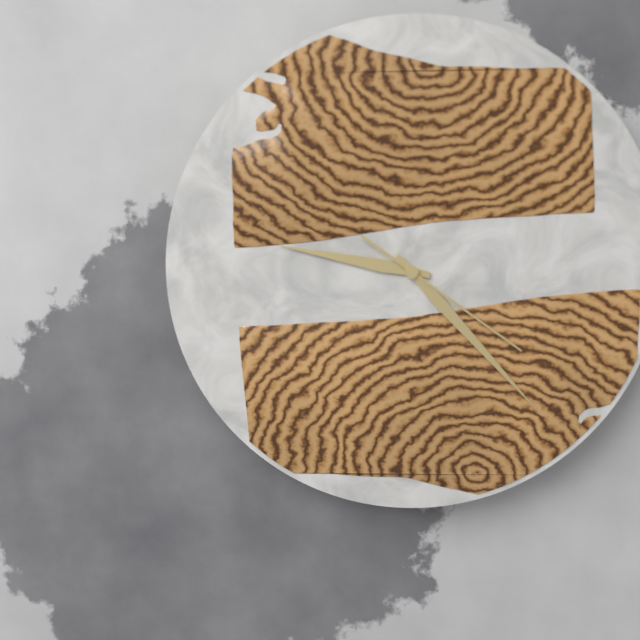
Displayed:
9,23,21
